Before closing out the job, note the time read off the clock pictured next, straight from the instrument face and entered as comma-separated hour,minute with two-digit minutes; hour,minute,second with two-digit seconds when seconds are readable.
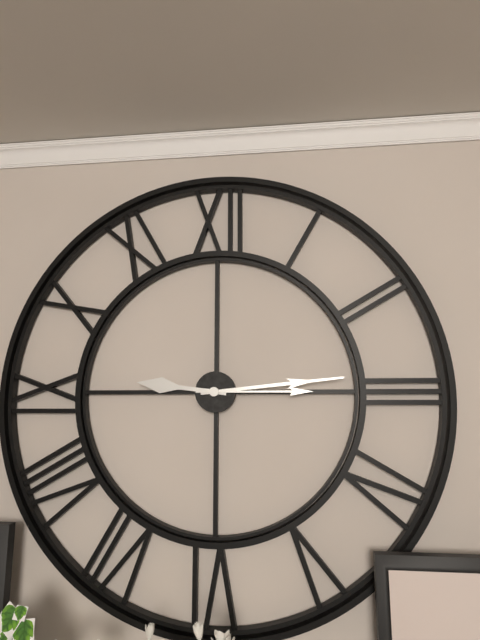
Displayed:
9,14,15
